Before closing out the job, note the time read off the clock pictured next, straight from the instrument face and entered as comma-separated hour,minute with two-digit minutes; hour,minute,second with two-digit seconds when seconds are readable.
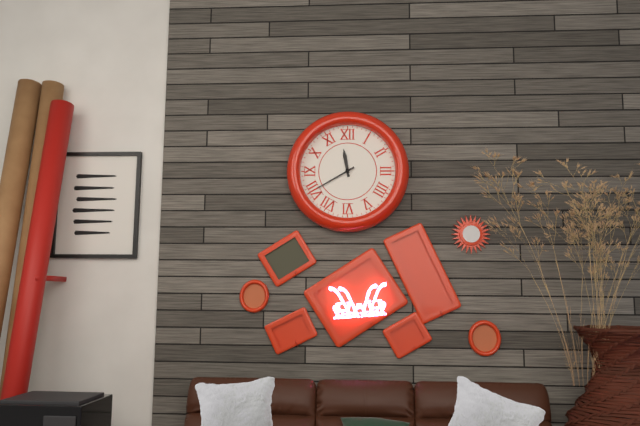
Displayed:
11,40
